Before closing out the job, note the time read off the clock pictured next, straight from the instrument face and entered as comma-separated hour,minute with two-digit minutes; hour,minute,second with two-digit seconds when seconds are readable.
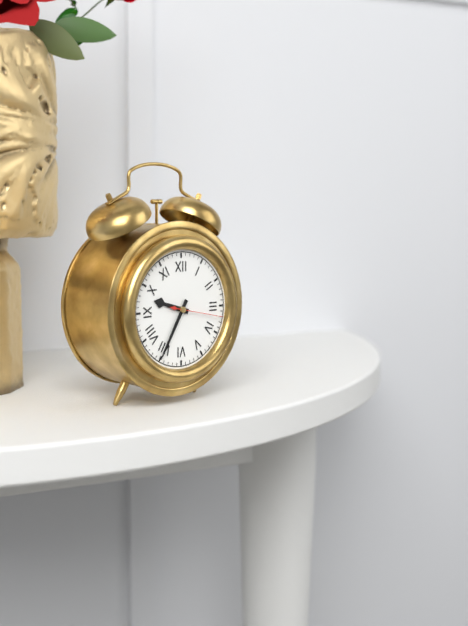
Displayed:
9,35,17
